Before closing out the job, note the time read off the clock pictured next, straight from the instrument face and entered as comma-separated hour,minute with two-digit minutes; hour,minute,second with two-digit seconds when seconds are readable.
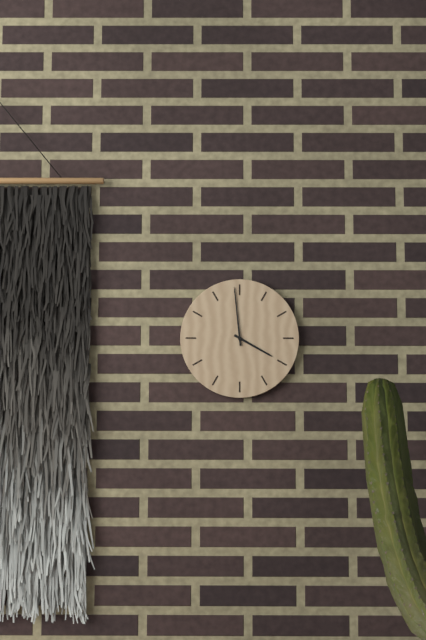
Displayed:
3,59
